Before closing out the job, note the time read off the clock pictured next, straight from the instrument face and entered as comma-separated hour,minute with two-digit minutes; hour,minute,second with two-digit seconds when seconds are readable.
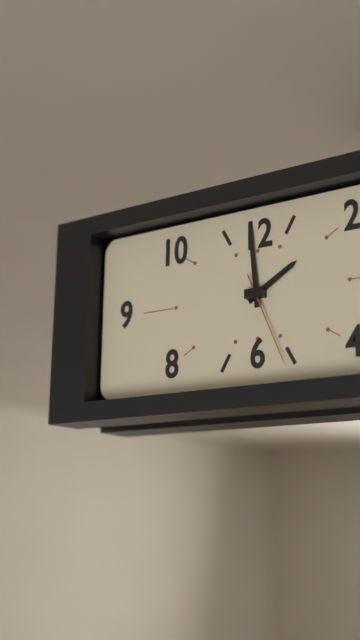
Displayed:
1,59,26
